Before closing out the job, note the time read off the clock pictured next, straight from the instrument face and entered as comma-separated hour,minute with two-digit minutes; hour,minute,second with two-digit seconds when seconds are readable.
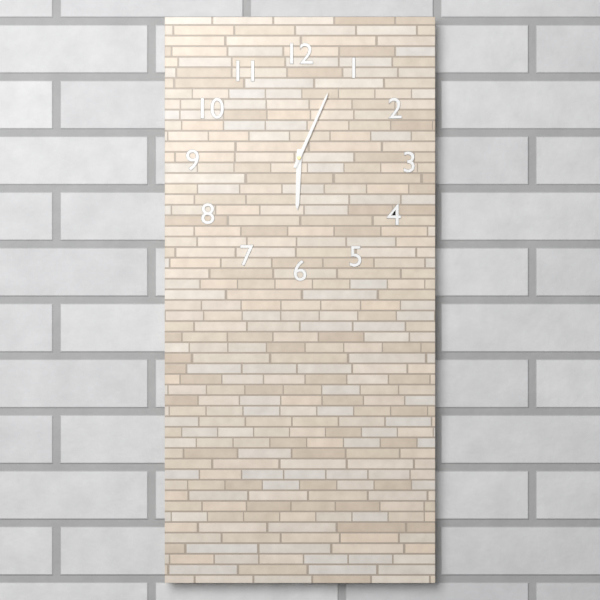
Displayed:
6,04
